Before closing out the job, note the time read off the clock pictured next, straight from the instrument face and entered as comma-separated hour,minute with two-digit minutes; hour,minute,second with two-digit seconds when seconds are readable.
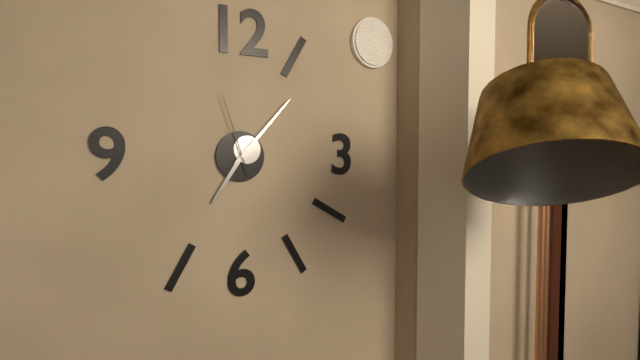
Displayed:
7,07,57
